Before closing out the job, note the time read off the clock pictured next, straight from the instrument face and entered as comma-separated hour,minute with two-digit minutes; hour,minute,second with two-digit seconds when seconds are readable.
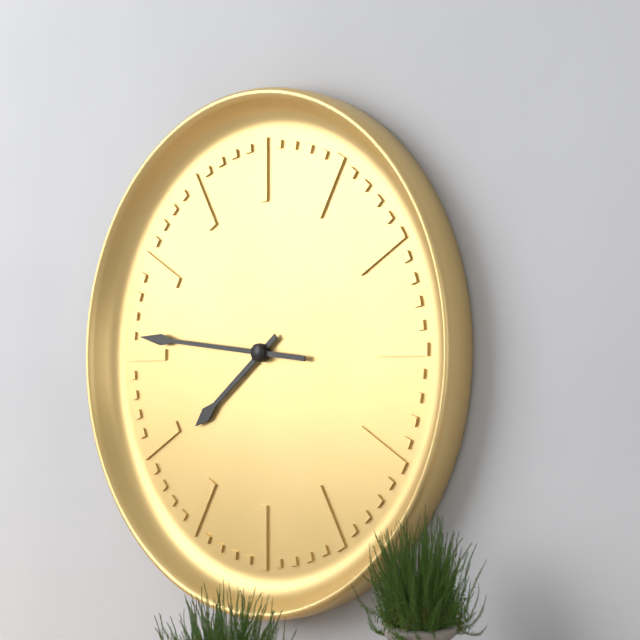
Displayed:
7,46
